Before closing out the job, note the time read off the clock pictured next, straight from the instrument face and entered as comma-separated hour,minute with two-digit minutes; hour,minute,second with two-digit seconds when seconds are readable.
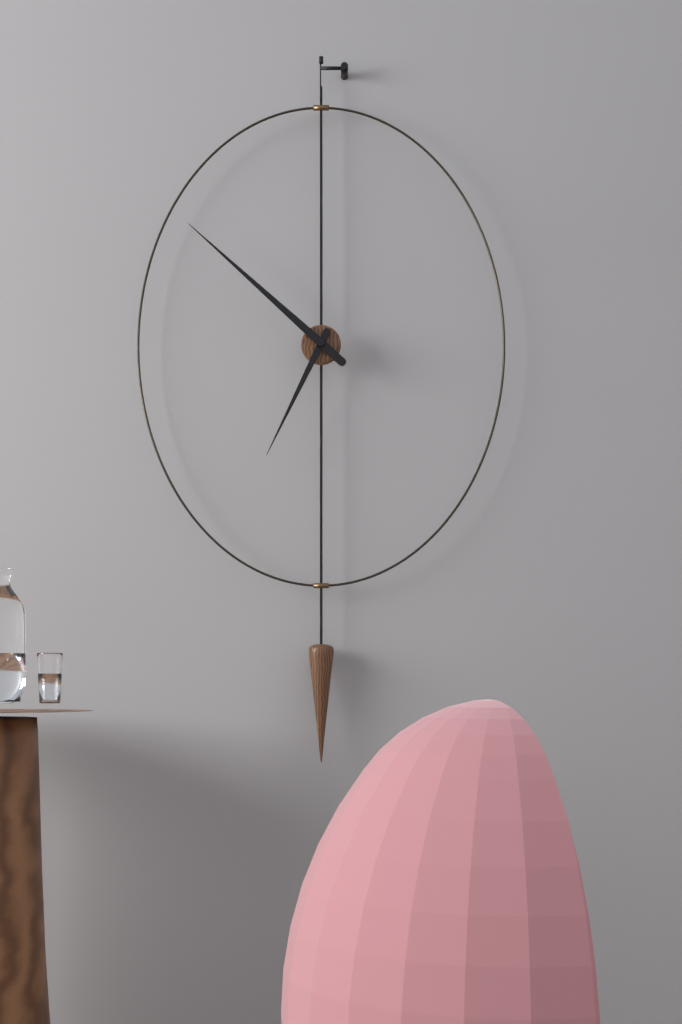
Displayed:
6,52
